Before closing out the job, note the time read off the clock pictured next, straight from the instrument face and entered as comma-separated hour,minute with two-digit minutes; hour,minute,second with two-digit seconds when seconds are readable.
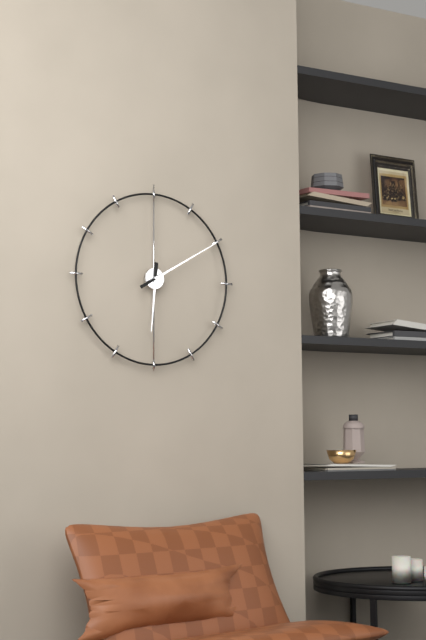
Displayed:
6,10
